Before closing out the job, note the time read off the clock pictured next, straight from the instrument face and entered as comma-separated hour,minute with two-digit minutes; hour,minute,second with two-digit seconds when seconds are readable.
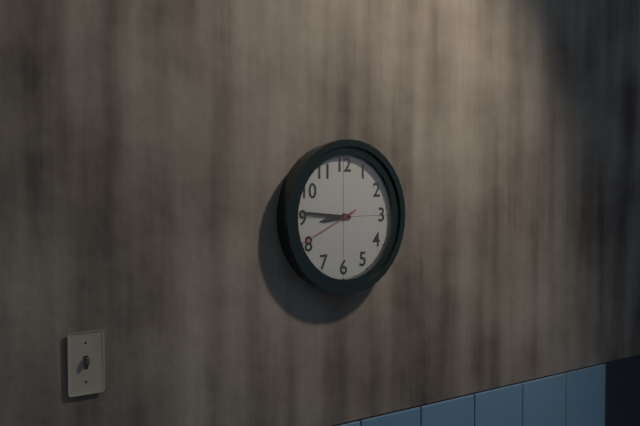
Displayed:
8,46,41
